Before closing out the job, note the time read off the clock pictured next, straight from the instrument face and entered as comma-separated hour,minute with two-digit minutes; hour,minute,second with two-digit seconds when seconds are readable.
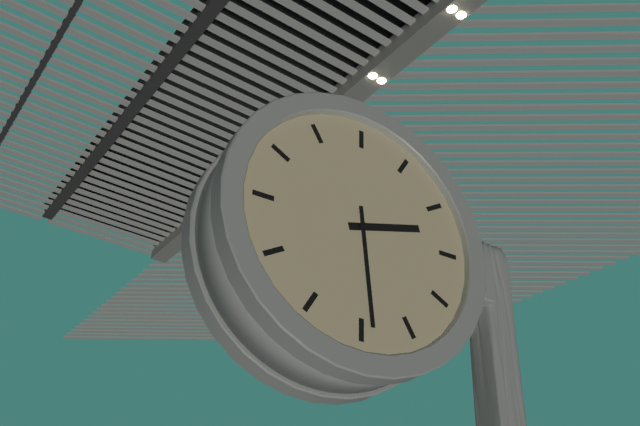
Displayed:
2,29
